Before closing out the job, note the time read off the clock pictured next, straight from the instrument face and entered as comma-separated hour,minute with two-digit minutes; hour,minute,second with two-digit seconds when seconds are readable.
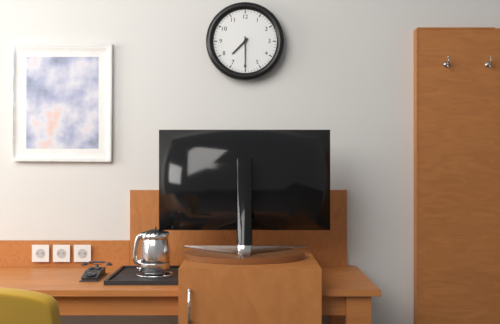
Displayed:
7,30
